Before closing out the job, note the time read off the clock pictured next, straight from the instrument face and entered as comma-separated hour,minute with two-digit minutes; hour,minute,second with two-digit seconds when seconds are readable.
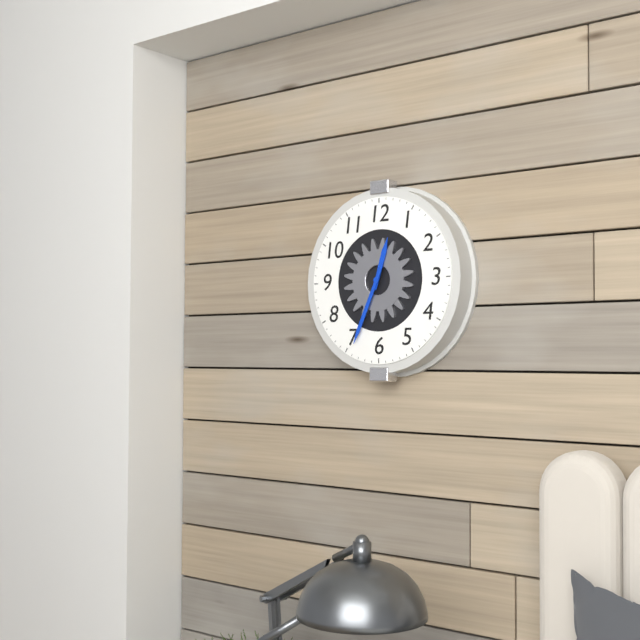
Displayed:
12,34
